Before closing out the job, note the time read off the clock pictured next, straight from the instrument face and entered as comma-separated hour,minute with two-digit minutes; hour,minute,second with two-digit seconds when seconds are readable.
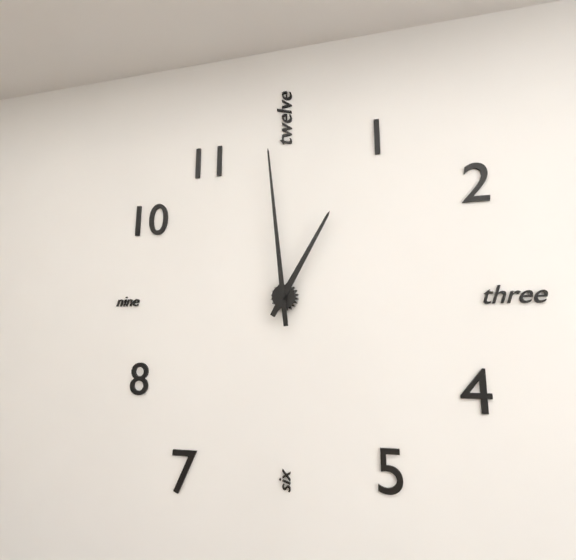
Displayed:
12,59
